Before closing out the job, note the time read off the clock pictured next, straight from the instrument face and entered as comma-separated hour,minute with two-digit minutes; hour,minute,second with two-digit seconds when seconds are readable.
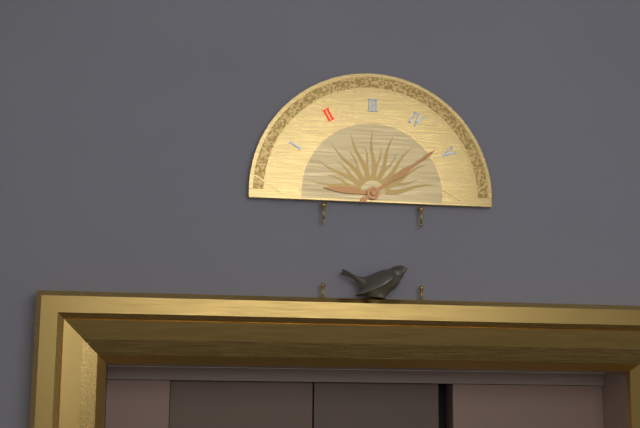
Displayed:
9,09
